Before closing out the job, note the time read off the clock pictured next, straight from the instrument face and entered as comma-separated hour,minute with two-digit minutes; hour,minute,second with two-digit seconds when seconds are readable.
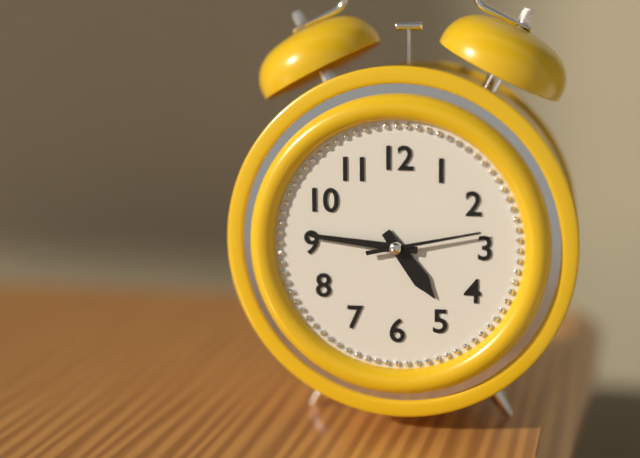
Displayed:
4,46,13
